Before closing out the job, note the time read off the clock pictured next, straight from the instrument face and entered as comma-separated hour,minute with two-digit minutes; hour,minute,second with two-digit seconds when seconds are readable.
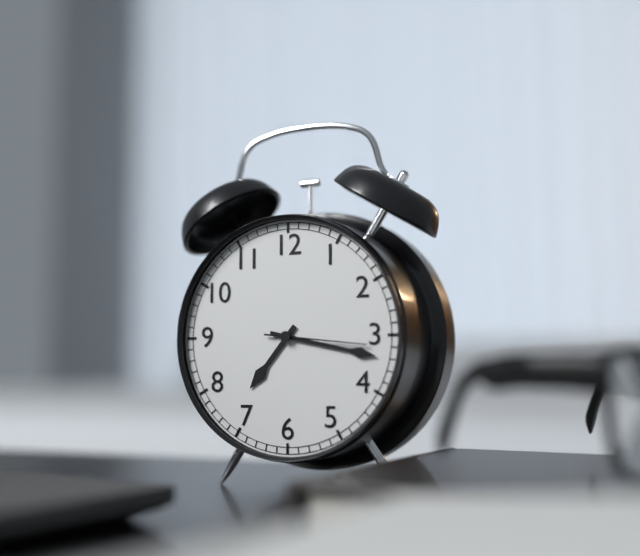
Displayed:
7,17,16
